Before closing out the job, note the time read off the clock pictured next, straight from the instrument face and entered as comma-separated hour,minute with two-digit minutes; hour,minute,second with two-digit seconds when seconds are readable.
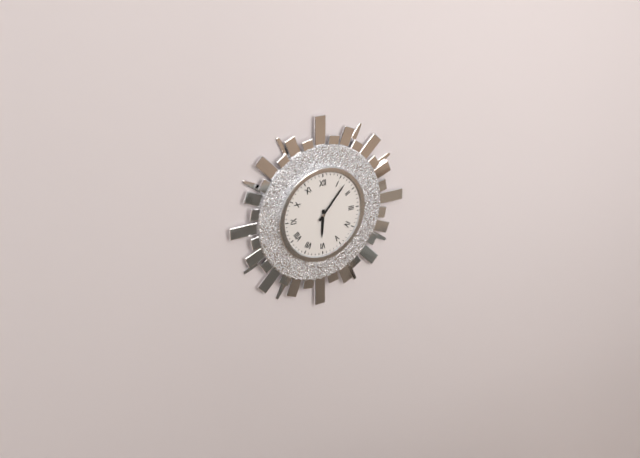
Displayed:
6,07
